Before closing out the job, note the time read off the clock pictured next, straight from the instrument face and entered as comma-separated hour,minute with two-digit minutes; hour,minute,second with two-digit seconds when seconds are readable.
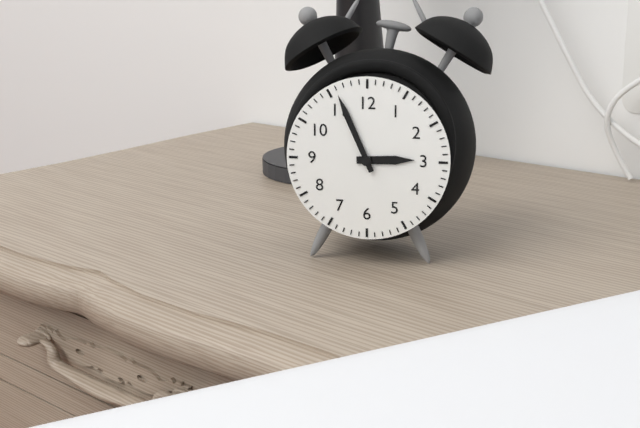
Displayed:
2,56
